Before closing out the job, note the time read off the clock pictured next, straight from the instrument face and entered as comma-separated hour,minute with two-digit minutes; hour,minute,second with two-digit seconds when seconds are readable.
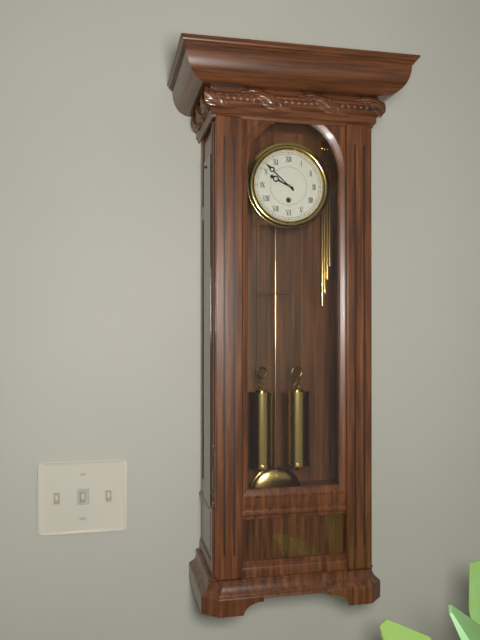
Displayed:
9,52
